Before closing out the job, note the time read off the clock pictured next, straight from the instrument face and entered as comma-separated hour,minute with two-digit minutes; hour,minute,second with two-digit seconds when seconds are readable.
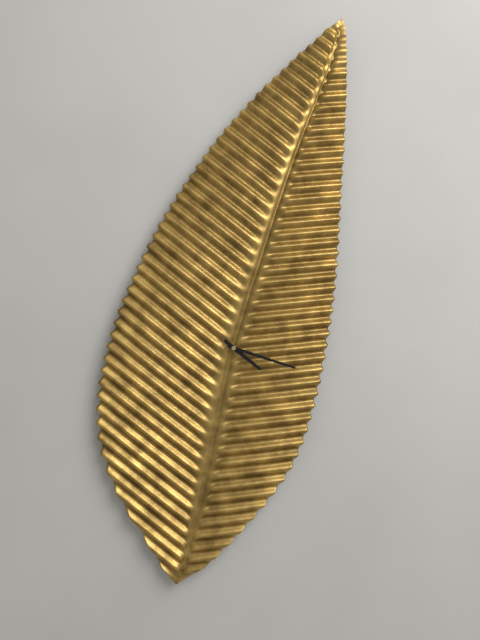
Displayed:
4,18
